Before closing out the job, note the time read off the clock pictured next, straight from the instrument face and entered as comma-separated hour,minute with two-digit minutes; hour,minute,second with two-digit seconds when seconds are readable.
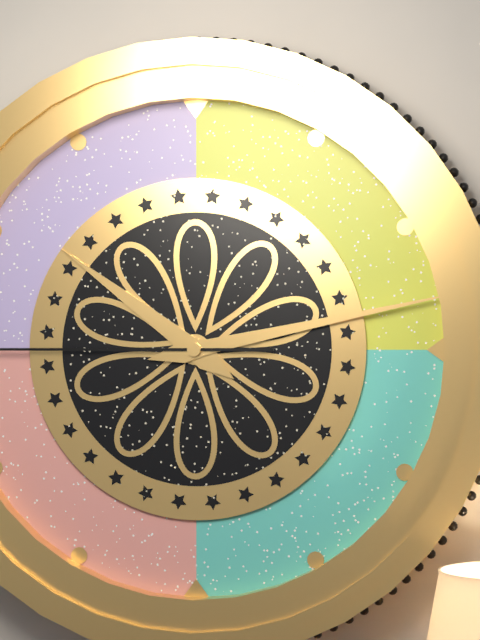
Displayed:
10,13
